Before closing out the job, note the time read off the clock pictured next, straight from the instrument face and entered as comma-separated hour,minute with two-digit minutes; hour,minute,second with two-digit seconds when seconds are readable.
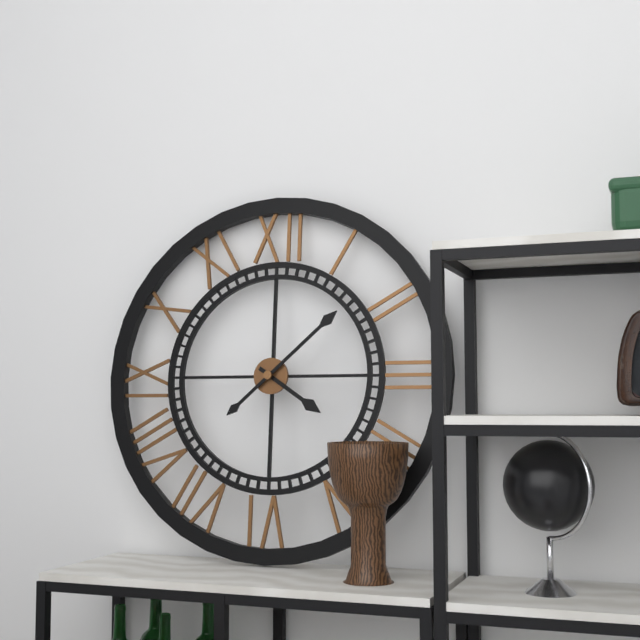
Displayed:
4,08
